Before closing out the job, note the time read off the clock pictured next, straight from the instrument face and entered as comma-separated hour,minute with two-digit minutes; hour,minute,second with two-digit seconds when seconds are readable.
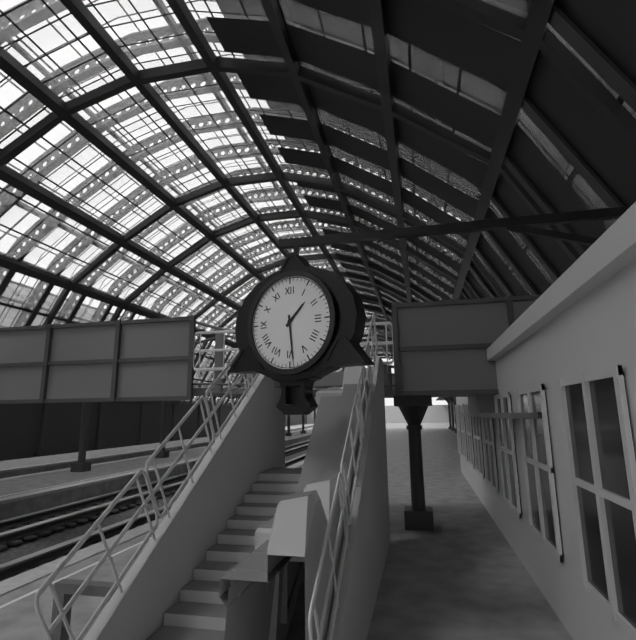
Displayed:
1,29
